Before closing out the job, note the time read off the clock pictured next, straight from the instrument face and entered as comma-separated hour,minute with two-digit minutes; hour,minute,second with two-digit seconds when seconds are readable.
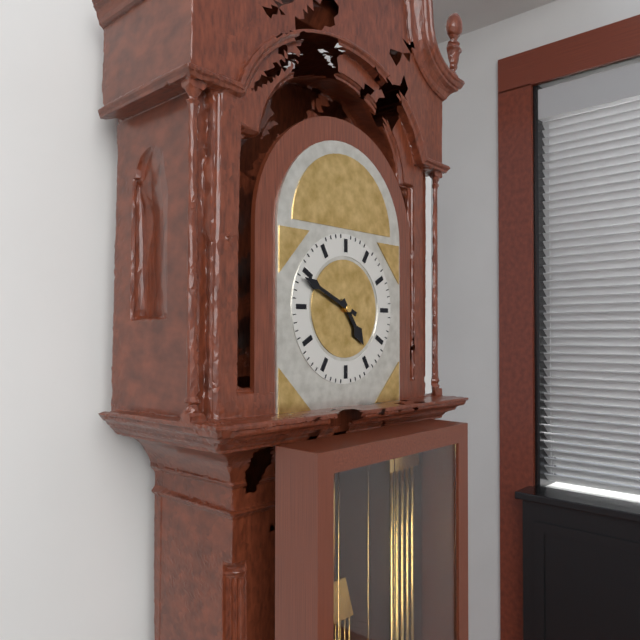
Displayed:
4,49
